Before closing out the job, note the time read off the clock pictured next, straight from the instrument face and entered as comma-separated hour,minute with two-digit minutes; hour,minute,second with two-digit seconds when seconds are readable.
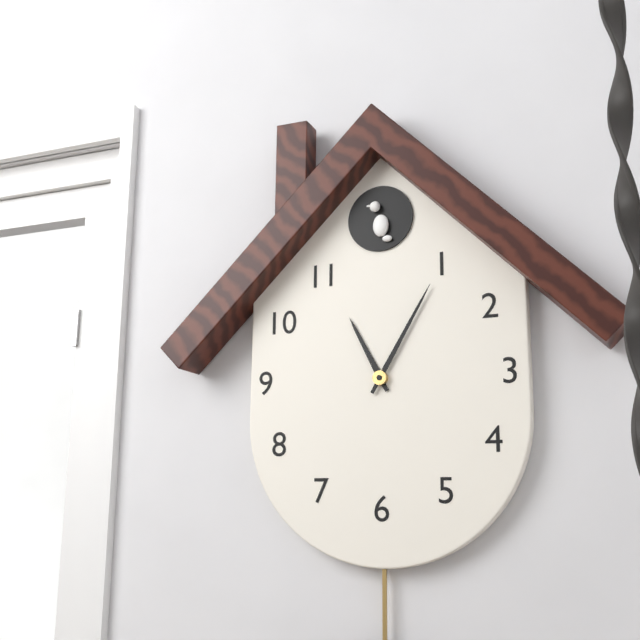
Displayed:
11,05
